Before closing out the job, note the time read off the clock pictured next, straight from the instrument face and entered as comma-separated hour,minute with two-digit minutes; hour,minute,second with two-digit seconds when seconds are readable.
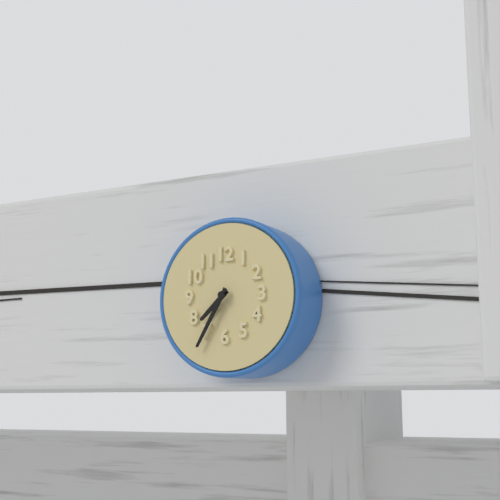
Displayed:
7,35
